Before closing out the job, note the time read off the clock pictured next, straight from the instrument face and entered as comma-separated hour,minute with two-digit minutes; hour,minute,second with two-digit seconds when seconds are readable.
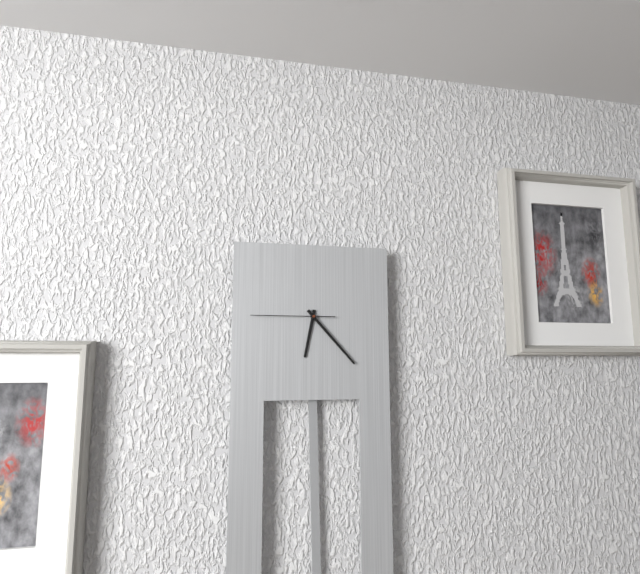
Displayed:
6,23,45
